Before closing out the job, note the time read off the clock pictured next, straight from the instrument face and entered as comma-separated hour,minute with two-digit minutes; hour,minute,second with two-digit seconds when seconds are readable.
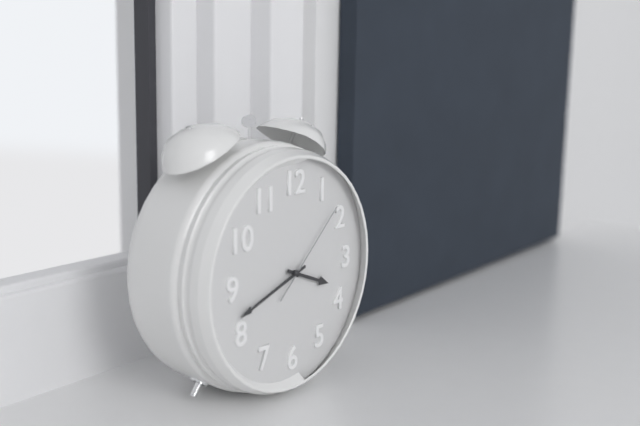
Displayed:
3,42,08
